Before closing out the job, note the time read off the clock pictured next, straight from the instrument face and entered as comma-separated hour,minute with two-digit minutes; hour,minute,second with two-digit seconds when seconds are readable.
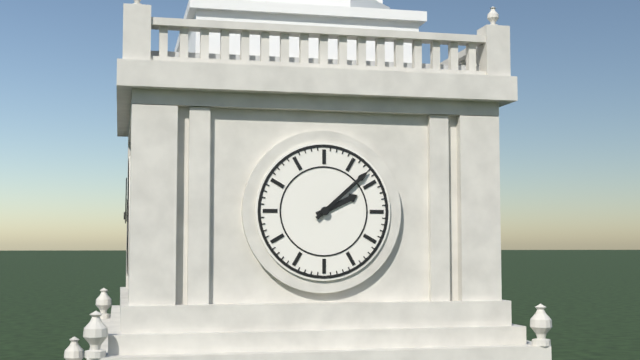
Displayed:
2,08
